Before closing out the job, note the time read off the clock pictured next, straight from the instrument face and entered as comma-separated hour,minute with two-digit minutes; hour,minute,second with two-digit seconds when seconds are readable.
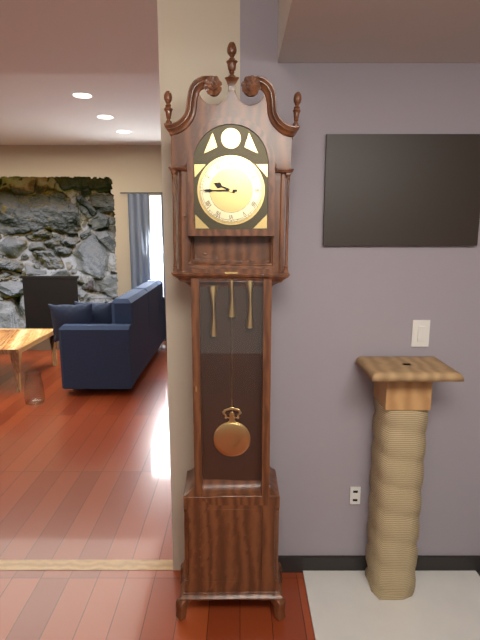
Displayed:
9,45
